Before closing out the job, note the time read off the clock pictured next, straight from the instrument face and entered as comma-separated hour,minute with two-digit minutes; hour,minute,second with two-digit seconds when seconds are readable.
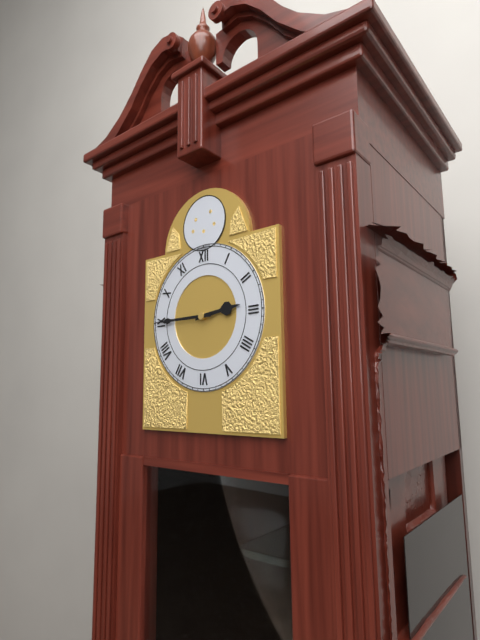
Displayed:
2,45
